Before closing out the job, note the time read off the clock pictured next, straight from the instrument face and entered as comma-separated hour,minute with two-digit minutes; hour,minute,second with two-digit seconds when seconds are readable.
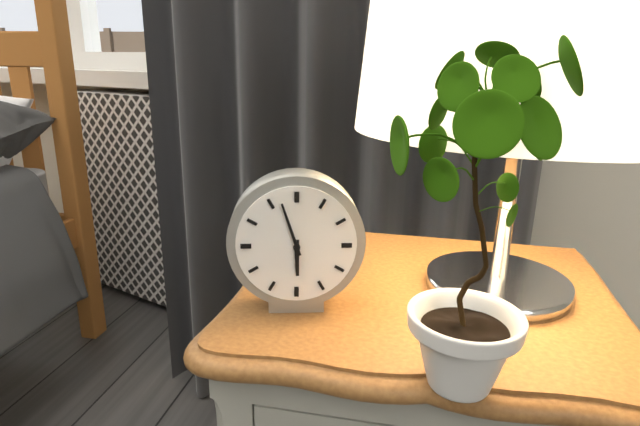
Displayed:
5,57
